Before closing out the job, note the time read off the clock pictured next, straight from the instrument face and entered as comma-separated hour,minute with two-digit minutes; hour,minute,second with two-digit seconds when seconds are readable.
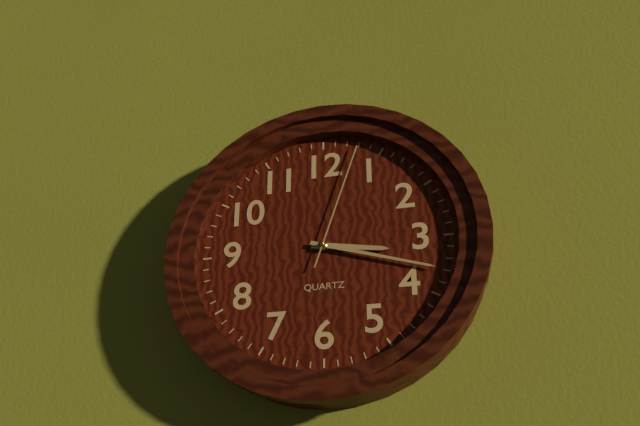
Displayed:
3,18,03
